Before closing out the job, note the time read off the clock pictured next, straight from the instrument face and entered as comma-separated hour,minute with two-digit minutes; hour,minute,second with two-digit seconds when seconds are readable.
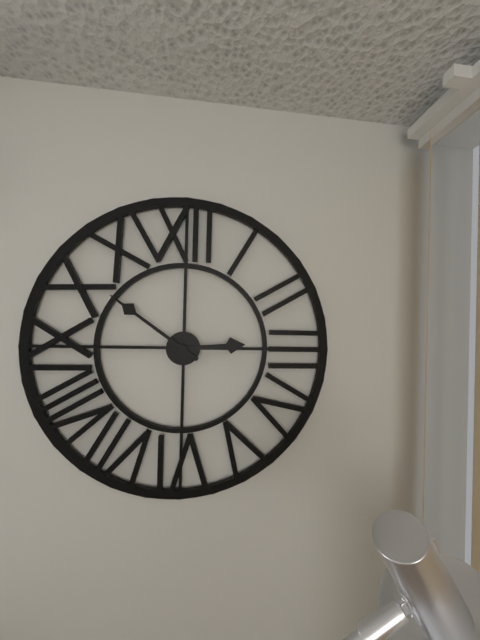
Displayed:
2,51
